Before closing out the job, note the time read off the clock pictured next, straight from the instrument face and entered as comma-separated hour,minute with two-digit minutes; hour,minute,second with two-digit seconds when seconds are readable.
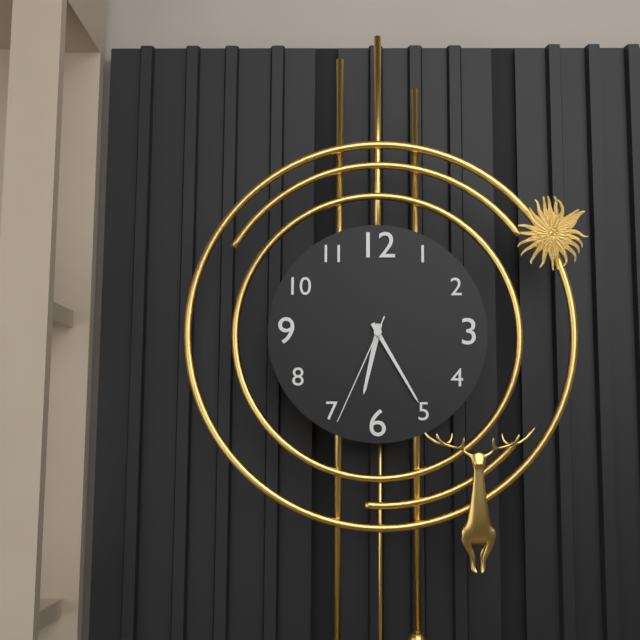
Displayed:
6,25,34
